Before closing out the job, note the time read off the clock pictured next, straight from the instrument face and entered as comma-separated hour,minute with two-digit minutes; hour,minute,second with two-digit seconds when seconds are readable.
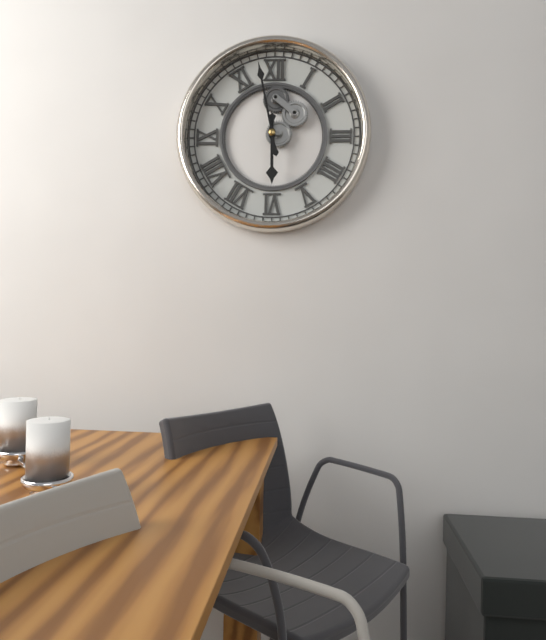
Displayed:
5,58
